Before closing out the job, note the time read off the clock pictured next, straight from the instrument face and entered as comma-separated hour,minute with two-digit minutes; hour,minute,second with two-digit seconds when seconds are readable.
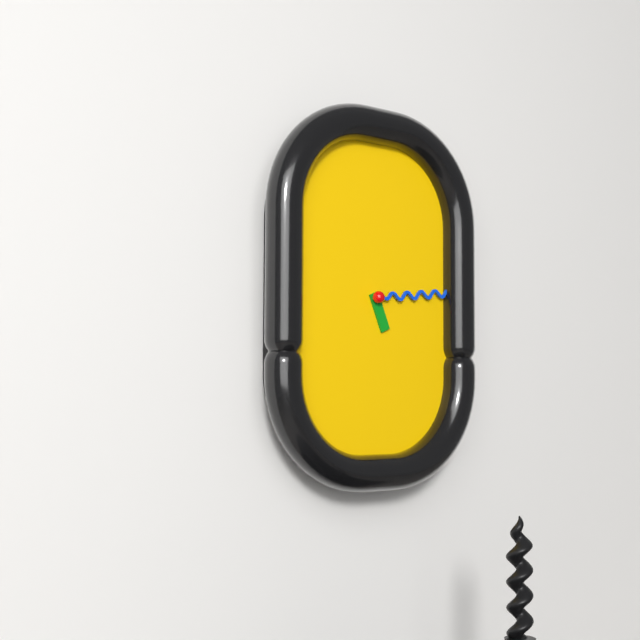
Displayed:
5,14
